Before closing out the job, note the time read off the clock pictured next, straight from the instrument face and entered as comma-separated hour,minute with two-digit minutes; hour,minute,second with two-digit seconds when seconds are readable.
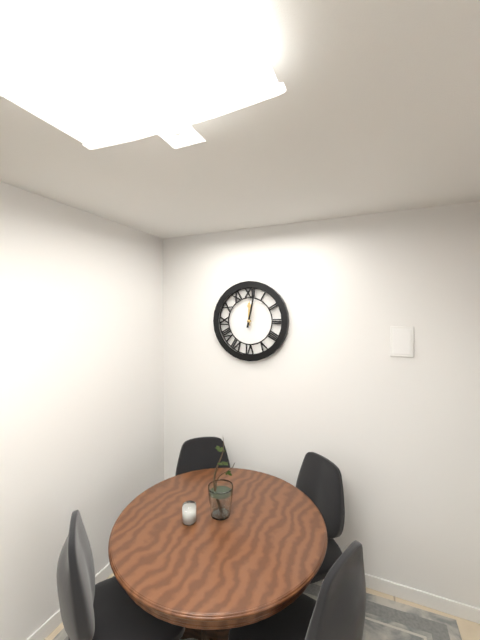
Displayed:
12,02
